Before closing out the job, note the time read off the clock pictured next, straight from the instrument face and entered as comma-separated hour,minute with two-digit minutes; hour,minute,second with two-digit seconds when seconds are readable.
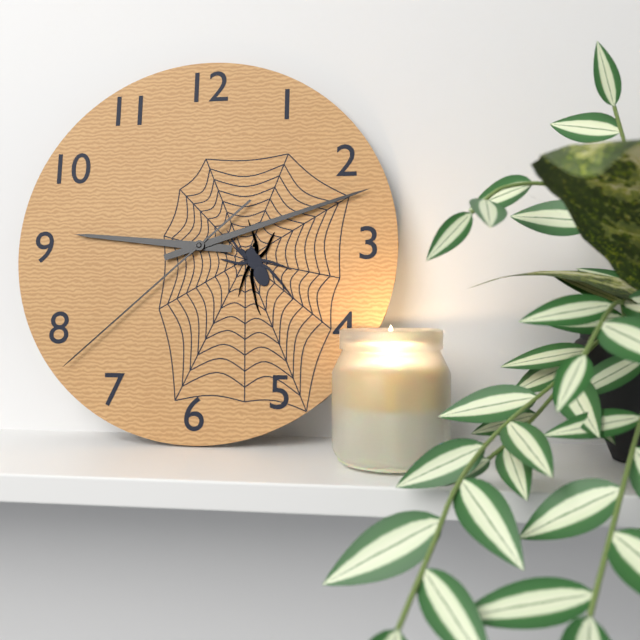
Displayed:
9,12,38
